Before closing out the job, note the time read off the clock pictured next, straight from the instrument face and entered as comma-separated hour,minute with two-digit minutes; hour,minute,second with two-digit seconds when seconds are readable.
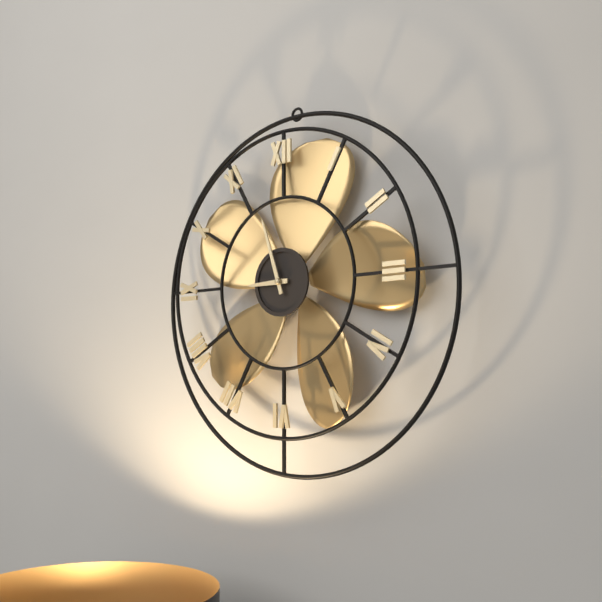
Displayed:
8,57
